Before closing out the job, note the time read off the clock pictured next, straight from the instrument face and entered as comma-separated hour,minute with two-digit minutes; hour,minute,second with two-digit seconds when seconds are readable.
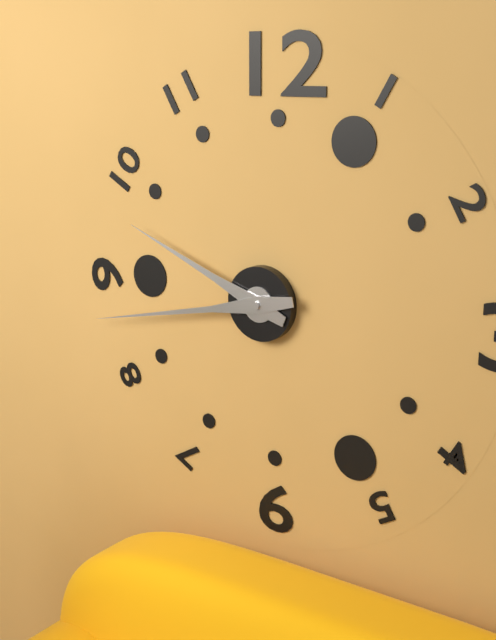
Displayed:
9,43
